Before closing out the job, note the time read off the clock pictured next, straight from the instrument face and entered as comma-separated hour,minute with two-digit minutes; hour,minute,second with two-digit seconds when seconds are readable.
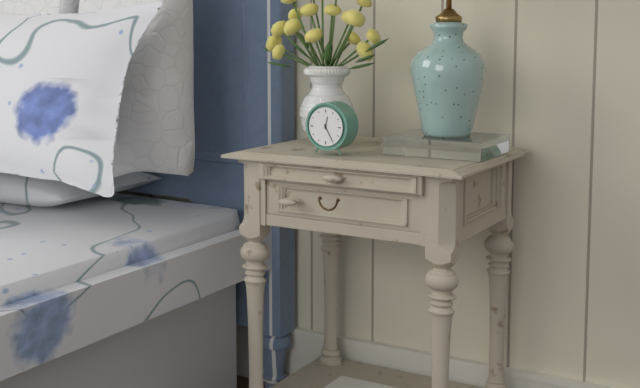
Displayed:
12,25
